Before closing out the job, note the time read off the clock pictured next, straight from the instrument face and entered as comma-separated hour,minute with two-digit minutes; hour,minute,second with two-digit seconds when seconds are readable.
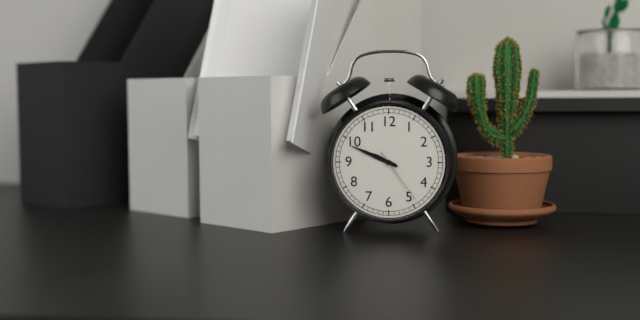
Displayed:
9,49,24
